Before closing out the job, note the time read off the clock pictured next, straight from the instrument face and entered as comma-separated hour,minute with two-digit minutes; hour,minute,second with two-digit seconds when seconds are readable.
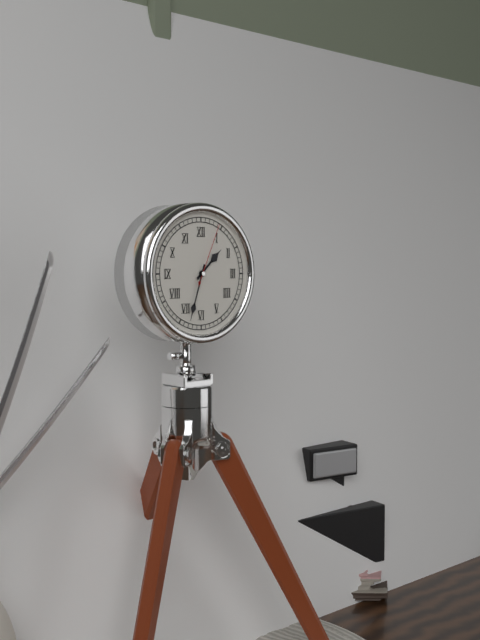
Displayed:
1,33,04
